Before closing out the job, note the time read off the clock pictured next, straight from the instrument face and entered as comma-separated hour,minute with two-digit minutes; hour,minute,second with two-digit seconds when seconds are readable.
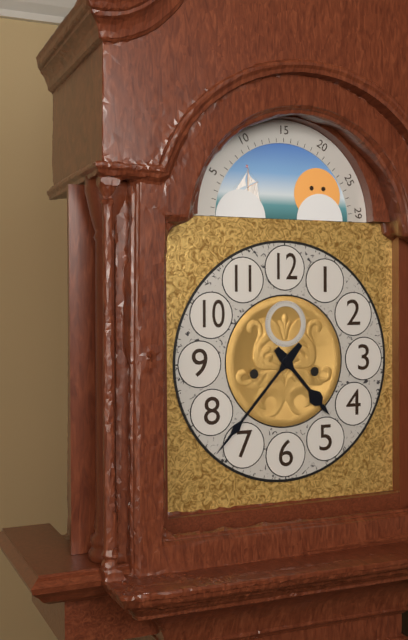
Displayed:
4,37
